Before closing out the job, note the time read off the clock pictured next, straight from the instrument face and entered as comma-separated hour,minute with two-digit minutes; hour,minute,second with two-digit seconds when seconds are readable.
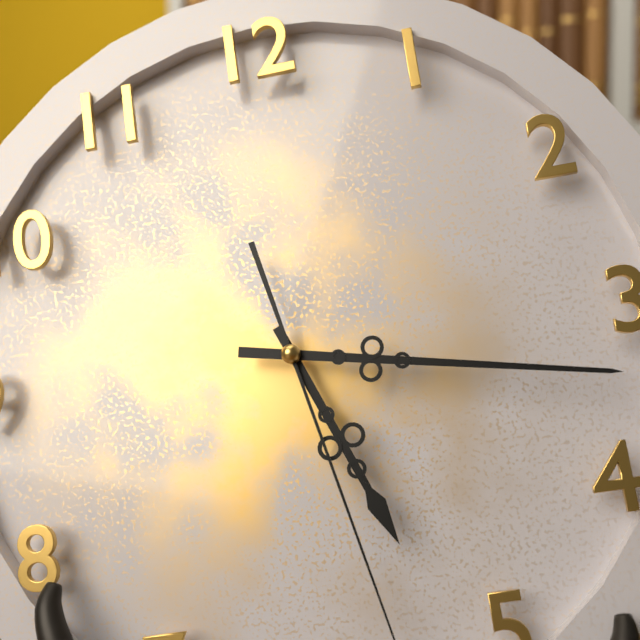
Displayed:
5,17
